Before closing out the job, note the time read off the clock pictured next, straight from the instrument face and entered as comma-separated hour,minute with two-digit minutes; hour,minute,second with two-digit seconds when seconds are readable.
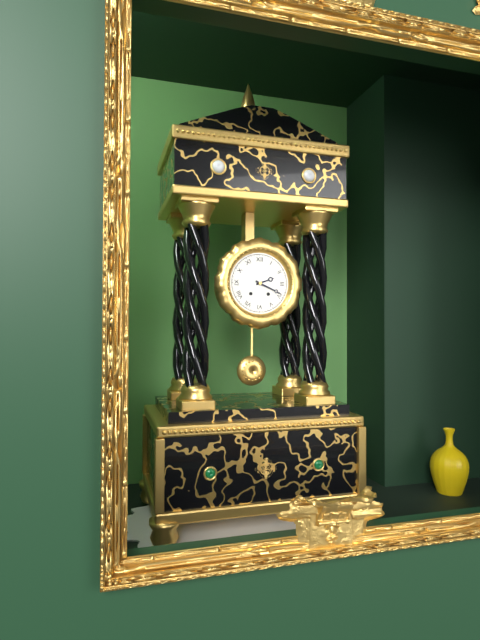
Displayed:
2,19
